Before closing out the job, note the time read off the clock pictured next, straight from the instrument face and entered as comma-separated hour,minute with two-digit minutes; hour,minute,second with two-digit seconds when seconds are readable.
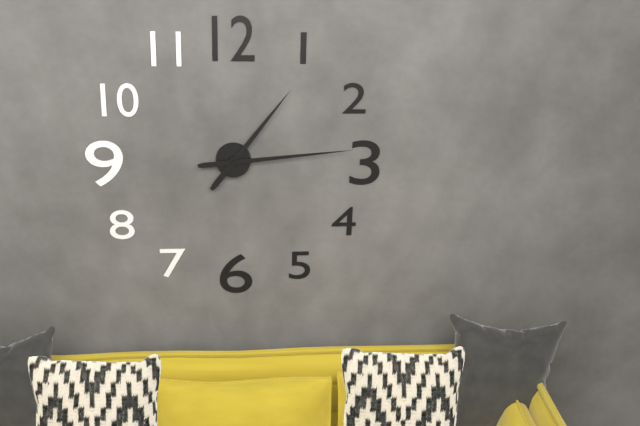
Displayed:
1,14
